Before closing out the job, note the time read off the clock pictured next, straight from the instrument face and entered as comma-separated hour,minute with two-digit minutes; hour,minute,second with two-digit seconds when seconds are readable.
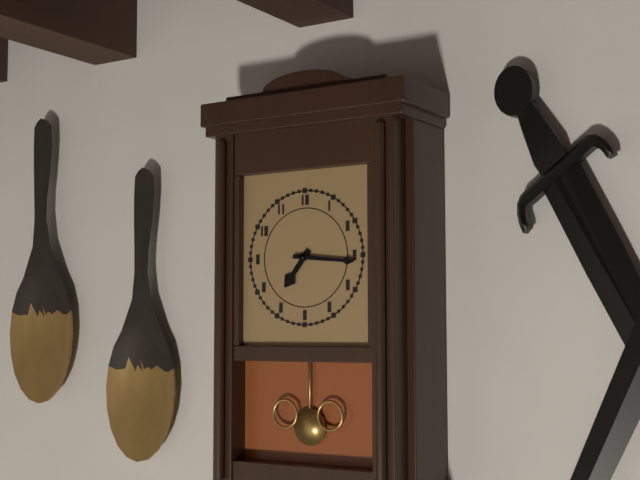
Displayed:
7,16
